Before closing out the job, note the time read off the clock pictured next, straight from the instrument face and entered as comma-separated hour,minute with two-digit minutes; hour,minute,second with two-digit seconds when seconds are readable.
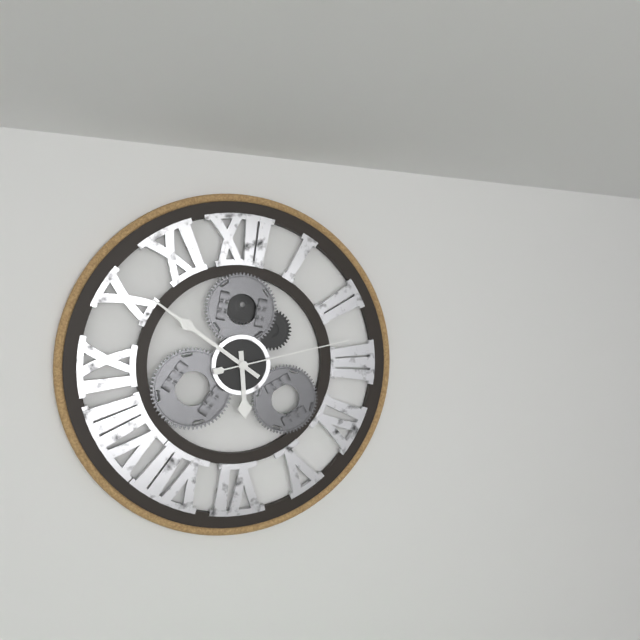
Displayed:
5,51,13
